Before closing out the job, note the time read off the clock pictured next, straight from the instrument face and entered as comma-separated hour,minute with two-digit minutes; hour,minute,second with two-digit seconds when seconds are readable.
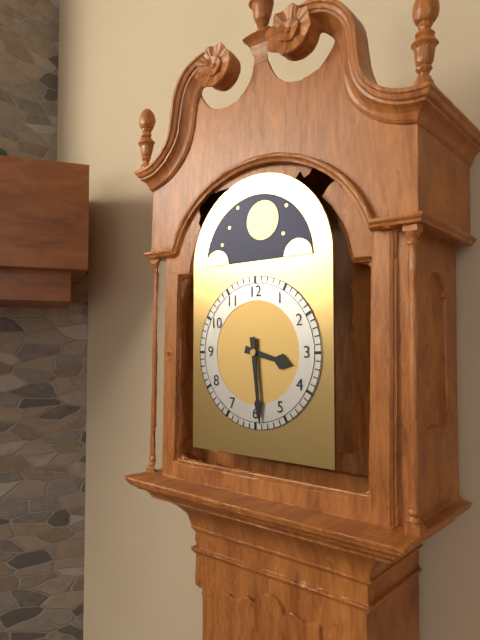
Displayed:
3,29
